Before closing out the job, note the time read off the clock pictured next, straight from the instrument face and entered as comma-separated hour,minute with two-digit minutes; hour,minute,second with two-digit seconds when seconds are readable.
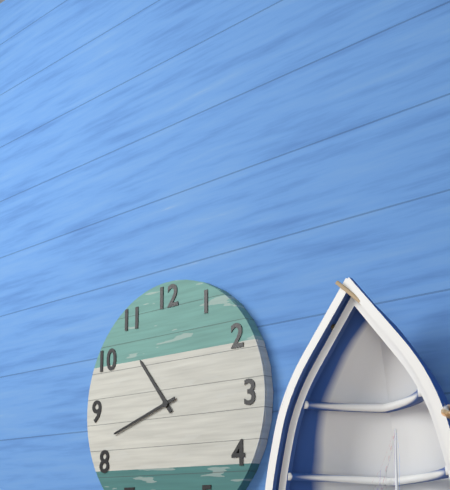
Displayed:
10,42
